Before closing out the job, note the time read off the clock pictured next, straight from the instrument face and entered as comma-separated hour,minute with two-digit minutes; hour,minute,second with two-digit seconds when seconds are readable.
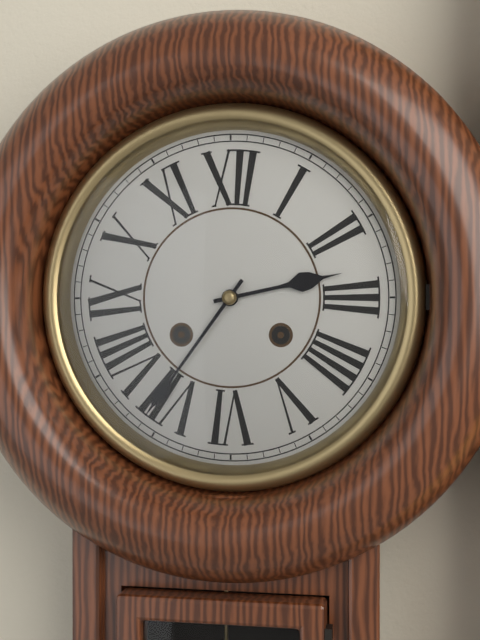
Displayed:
2,36
